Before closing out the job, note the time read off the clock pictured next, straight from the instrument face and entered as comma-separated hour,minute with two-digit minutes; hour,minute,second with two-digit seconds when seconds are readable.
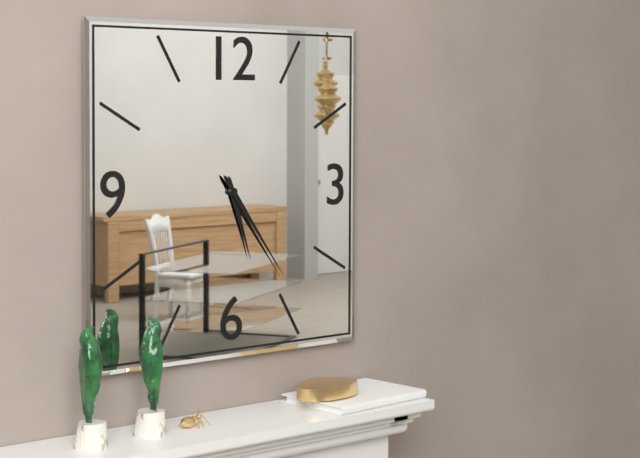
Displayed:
5,24
